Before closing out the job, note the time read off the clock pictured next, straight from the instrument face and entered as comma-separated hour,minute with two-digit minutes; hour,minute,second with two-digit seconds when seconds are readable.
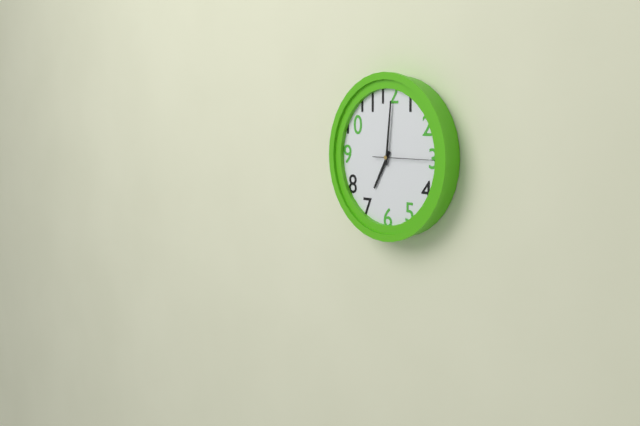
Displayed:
7,01,15
